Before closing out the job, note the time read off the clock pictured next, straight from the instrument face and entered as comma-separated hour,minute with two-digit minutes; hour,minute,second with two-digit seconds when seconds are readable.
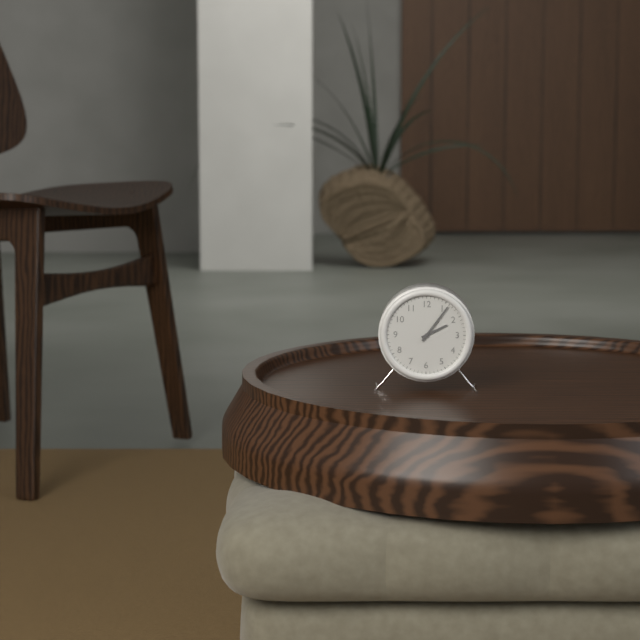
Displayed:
2,06
